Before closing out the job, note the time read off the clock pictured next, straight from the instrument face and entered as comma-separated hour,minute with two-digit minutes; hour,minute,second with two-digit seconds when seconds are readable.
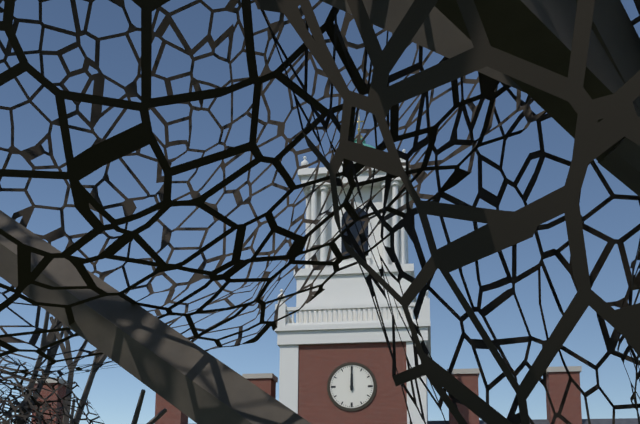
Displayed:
12,00
